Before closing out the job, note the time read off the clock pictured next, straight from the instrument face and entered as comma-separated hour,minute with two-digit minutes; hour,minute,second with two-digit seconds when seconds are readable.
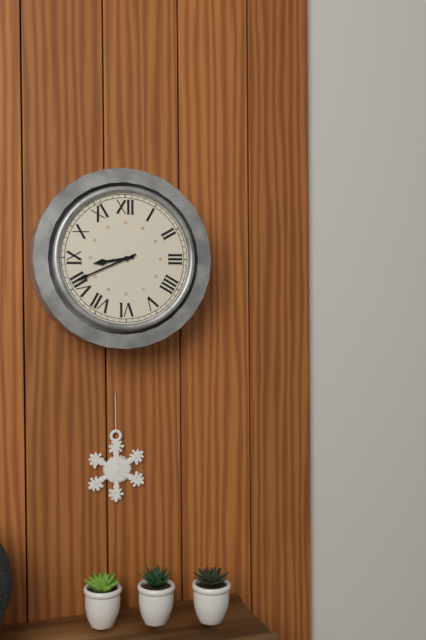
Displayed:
8,41
